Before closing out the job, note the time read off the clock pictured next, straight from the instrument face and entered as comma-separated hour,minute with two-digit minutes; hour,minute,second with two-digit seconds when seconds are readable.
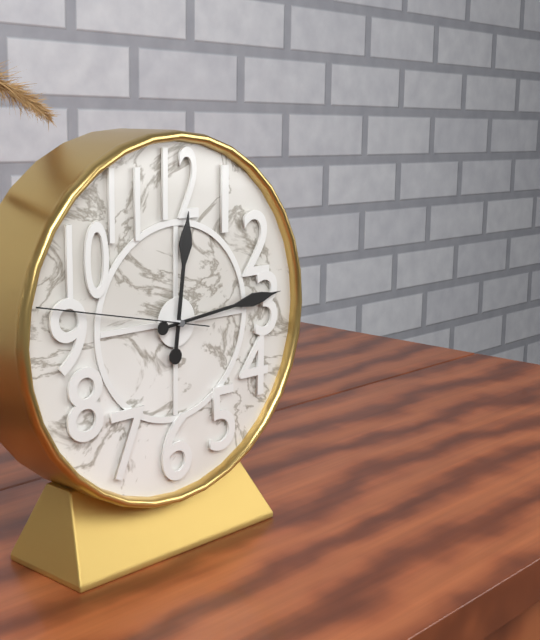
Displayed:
12,14,47
